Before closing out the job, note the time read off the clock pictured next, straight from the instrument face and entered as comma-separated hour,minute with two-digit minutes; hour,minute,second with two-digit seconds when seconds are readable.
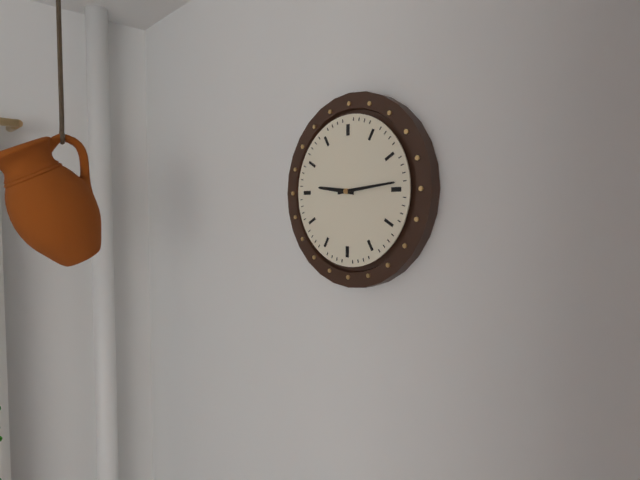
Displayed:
9,14
